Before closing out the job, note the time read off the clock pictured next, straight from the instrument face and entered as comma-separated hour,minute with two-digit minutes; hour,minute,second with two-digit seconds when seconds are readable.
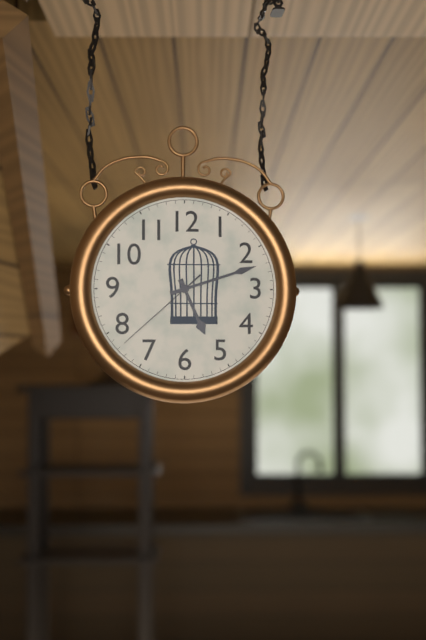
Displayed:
5,12,38
